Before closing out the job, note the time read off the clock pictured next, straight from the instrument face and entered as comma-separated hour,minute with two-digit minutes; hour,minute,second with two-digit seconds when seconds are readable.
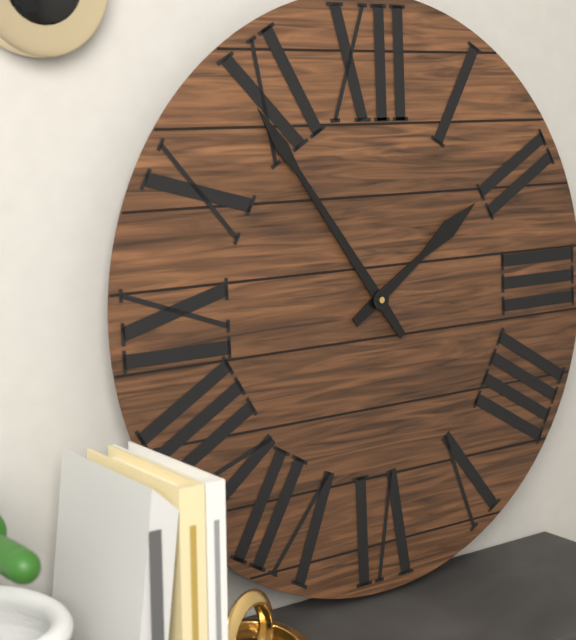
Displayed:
1,54
